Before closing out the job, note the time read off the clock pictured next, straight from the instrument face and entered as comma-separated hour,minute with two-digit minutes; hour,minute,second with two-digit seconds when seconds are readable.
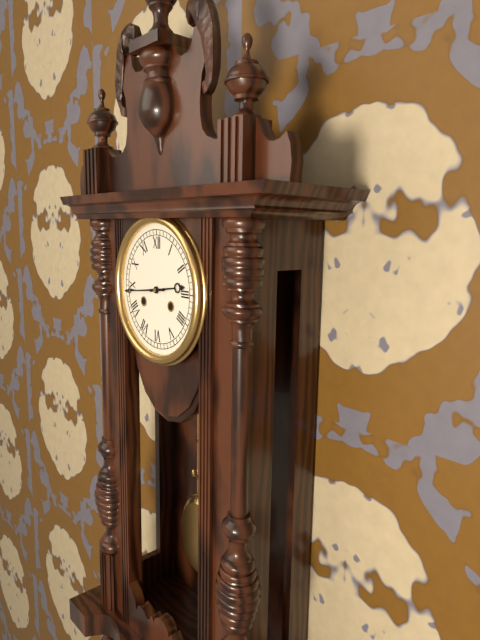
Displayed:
2,44
